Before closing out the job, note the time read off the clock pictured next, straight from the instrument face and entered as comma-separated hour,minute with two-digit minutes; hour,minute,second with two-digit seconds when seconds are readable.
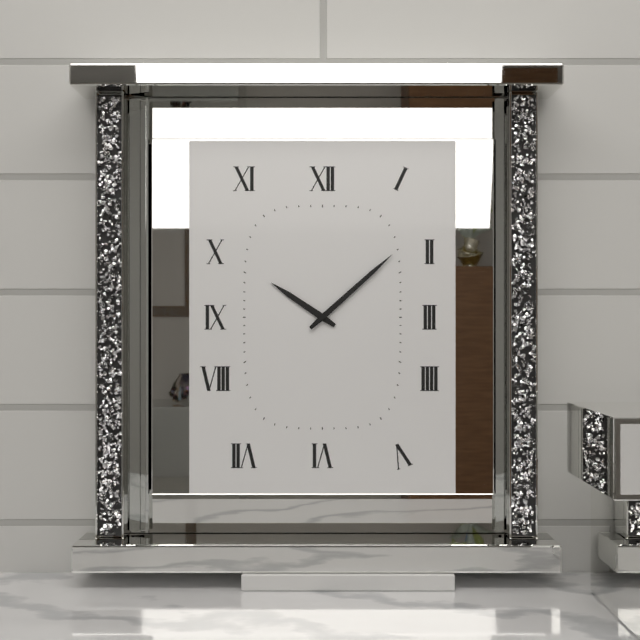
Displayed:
10,08
